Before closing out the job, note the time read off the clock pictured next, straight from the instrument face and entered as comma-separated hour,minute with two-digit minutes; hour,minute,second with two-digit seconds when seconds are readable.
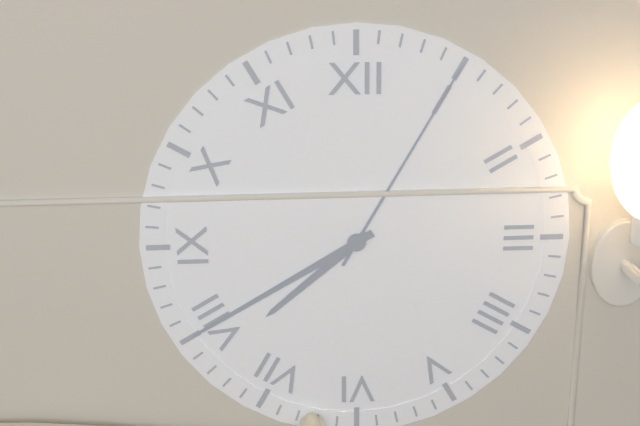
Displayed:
7,40,05
